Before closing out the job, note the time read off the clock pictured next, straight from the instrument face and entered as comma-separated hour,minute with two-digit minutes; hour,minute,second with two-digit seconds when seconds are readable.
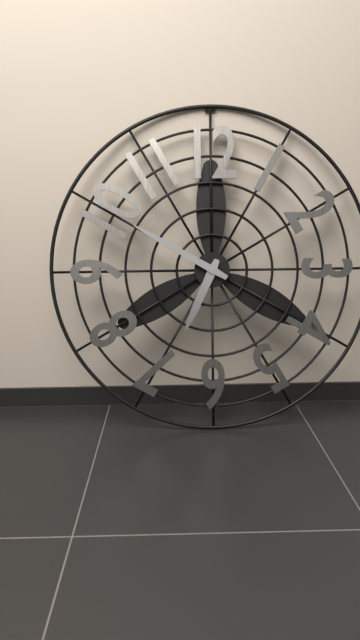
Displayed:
6,50
